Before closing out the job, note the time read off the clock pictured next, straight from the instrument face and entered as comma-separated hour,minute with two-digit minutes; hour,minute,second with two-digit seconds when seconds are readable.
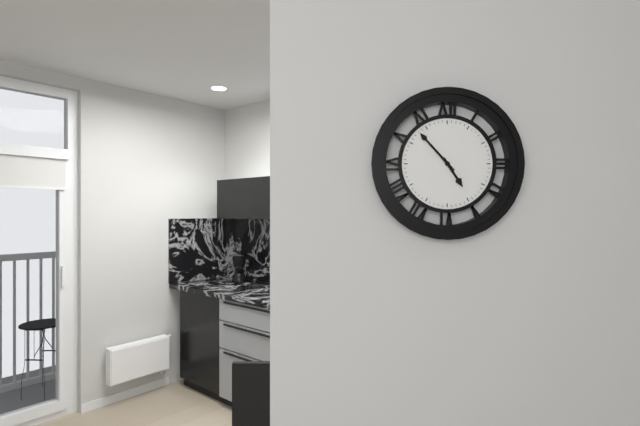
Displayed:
4,53
